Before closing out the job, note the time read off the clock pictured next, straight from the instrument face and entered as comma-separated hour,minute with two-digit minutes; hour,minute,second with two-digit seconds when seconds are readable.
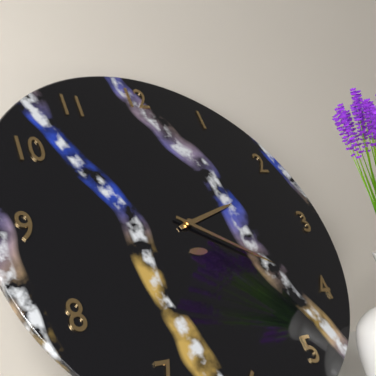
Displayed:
2,20
